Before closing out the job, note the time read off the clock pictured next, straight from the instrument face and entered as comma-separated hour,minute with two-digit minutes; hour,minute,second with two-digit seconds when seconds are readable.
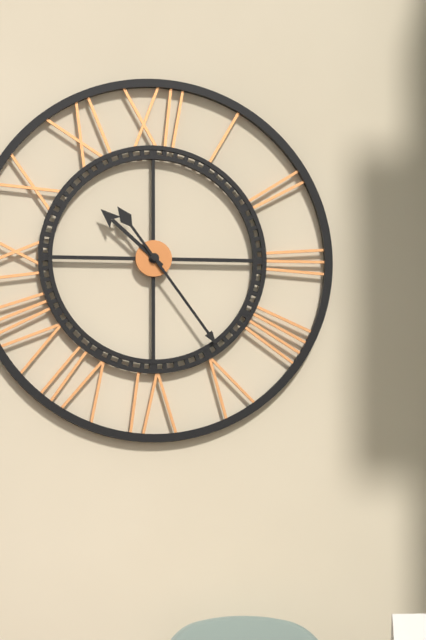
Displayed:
10,24
